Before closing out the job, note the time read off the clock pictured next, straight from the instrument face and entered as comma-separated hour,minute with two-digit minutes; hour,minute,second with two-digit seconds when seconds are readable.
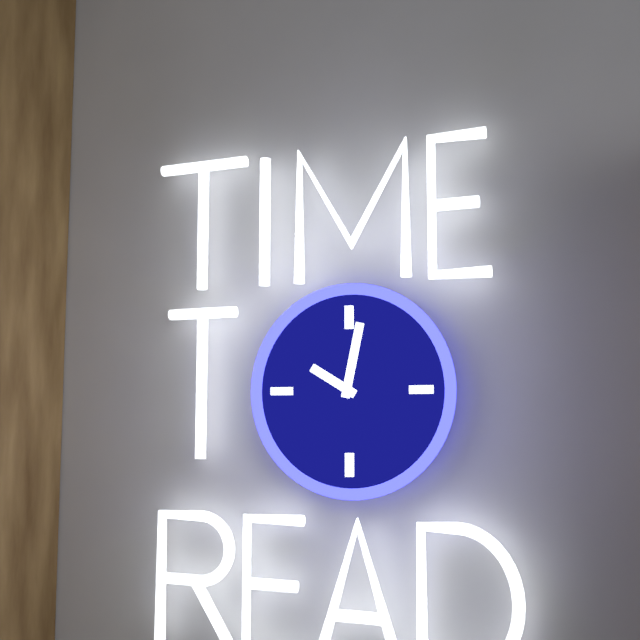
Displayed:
10,02
